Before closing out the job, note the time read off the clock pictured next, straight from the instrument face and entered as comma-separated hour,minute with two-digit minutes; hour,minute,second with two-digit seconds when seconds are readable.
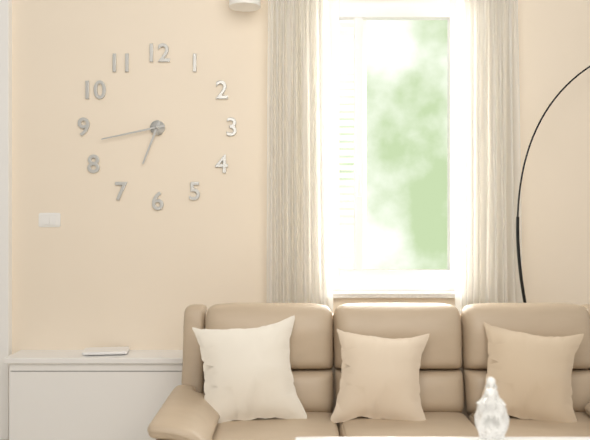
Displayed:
6,43
